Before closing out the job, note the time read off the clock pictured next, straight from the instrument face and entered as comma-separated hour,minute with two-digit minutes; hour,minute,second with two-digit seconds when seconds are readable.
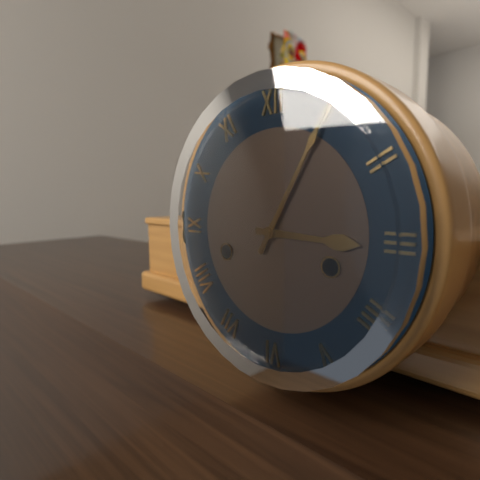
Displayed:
3,05
